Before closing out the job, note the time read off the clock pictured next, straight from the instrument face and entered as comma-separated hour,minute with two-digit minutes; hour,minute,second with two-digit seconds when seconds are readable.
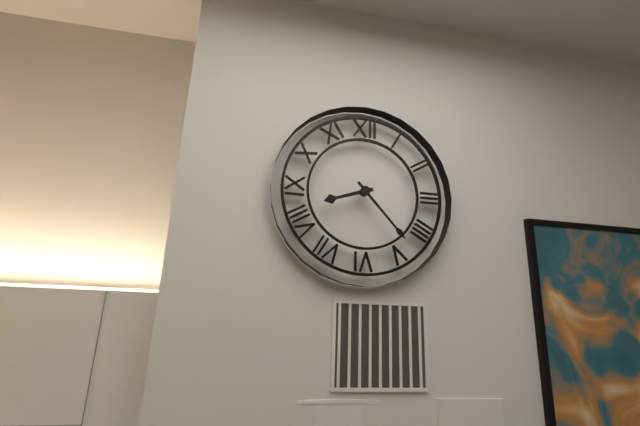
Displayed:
8,23
